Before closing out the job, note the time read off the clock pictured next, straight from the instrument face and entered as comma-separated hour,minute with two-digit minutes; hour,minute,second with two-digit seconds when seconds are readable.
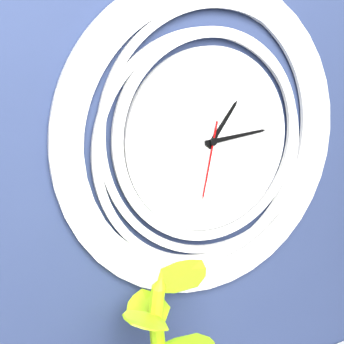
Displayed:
1,14,32
